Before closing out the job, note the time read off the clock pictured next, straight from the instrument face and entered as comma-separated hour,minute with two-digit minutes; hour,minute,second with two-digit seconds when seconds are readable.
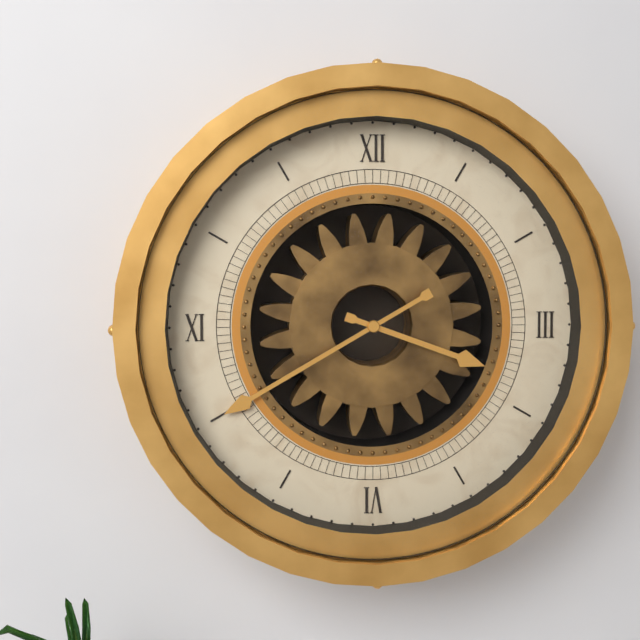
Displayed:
3,40
